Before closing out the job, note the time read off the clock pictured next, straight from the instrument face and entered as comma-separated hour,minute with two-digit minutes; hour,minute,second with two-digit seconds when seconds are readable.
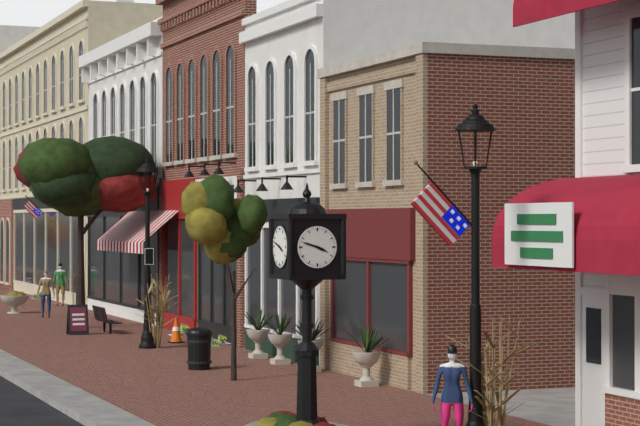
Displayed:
3,48
